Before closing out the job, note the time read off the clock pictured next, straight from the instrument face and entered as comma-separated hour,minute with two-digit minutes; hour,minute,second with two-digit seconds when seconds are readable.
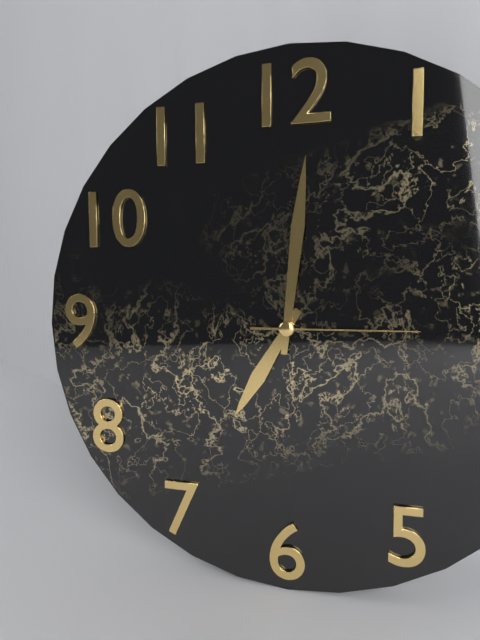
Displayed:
7,01,15
